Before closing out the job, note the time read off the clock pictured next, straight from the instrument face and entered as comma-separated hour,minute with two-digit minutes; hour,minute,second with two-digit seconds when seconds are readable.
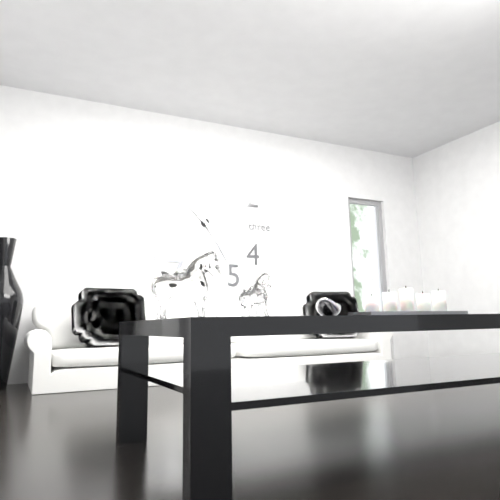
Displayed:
10,25
